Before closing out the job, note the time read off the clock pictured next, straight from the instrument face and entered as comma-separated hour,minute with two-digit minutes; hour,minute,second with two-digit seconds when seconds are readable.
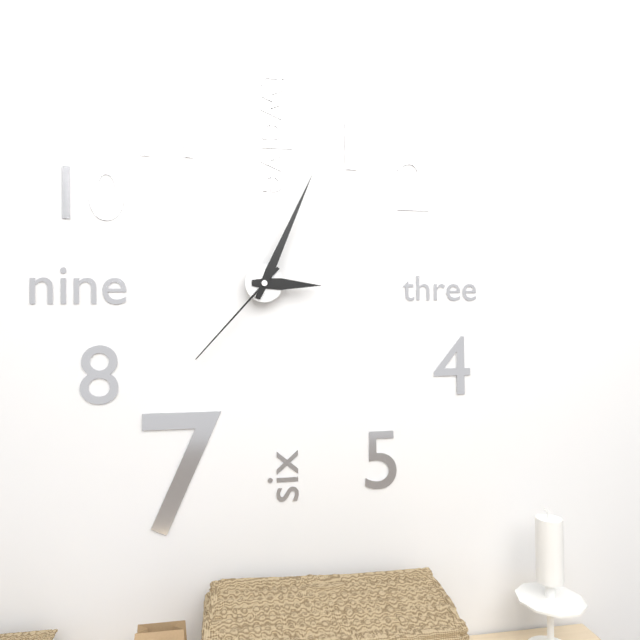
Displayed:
3,04,37
